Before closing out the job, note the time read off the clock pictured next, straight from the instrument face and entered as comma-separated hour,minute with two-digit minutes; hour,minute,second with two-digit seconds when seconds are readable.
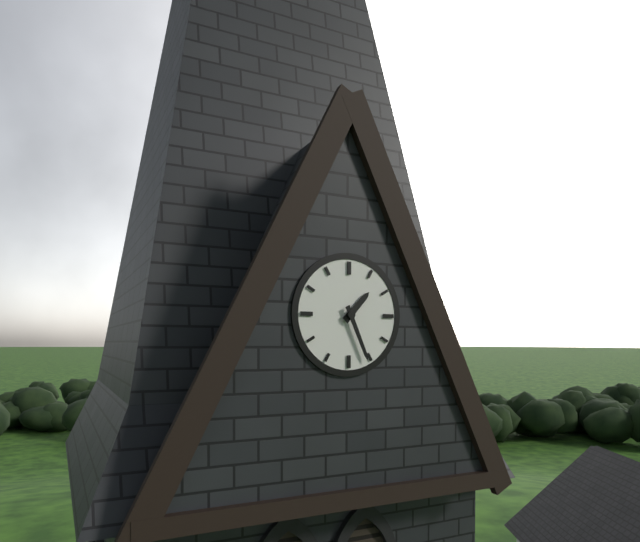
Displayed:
1,26
